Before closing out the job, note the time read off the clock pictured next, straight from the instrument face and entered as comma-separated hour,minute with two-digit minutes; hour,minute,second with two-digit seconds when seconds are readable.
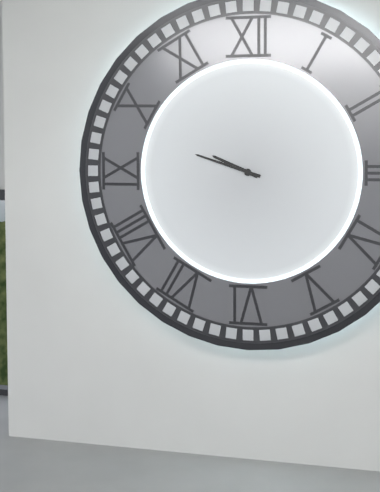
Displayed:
9,48
